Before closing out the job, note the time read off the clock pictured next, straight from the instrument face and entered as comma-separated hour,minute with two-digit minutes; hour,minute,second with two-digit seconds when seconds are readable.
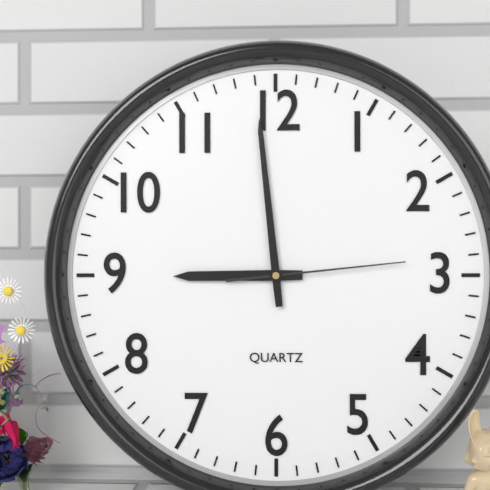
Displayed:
8,59,14
